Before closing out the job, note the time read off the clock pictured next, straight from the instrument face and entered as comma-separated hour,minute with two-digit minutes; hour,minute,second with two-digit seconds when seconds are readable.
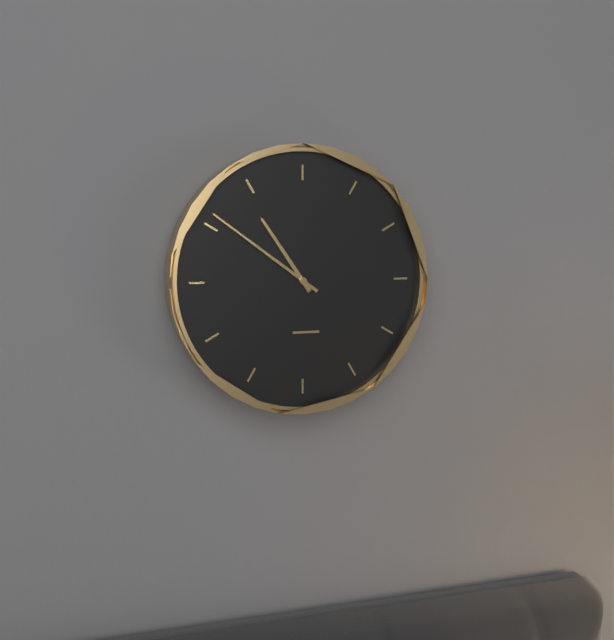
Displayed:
10,51
